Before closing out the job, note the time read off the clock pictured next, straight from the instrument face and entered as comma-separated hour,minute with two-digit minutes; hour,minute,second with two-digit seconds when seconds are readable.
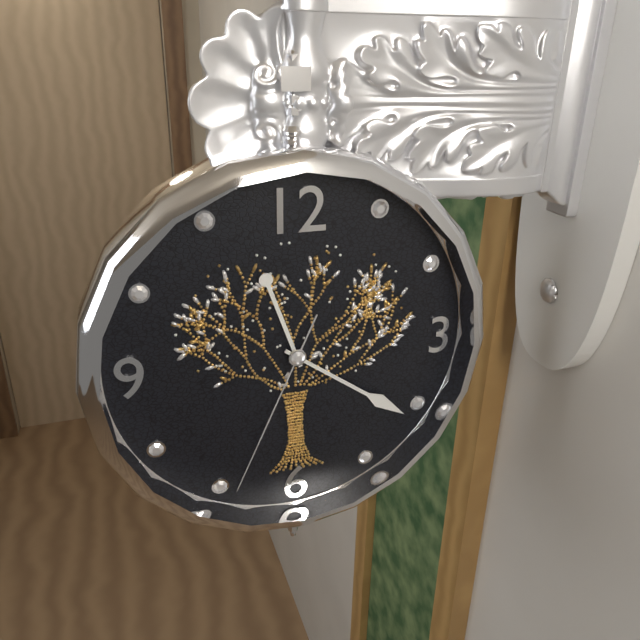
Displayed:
11,21,34
